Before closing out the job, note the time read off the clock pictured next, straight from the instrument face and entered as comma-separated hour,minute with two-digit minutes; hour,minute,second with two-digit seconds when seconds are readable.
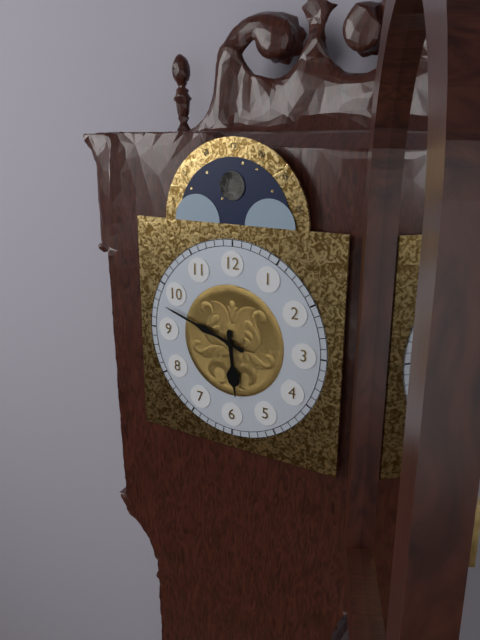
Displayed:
5,48
